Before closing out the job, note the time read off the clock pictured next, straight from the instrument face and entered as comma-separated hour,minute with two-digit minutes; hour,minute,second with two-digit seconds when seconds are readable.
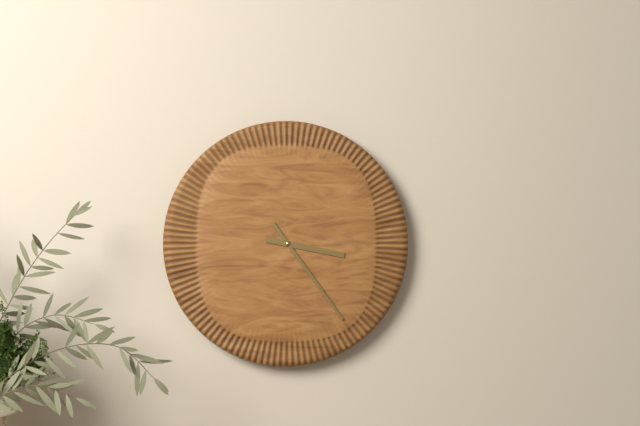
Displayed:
3,24
